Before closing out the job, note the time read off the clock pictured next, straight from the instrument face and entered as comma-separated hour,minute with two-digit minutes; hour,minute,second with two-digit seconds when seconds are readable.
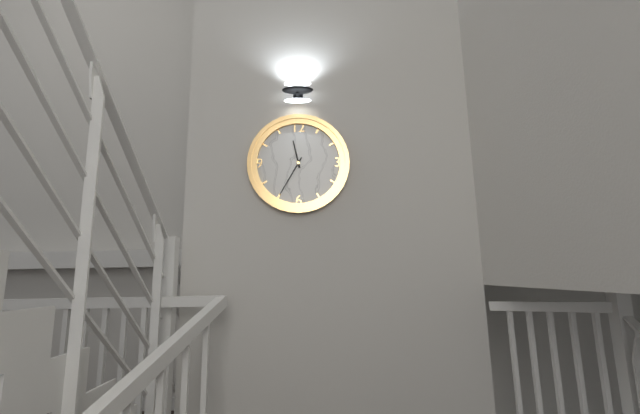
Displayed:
11,35
